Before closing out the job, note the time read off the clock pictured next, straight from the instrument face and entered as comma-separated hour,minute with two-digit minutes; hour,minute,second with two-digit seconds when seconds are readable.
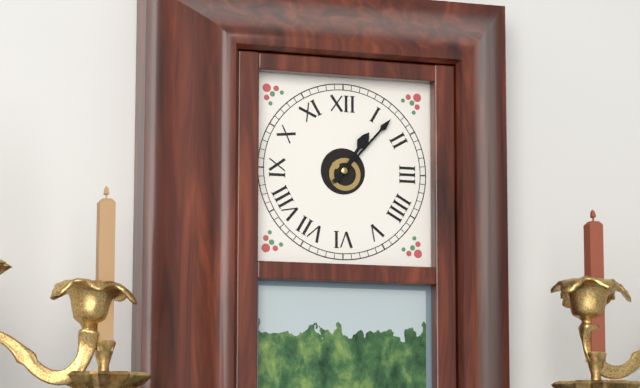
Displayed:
1,07
